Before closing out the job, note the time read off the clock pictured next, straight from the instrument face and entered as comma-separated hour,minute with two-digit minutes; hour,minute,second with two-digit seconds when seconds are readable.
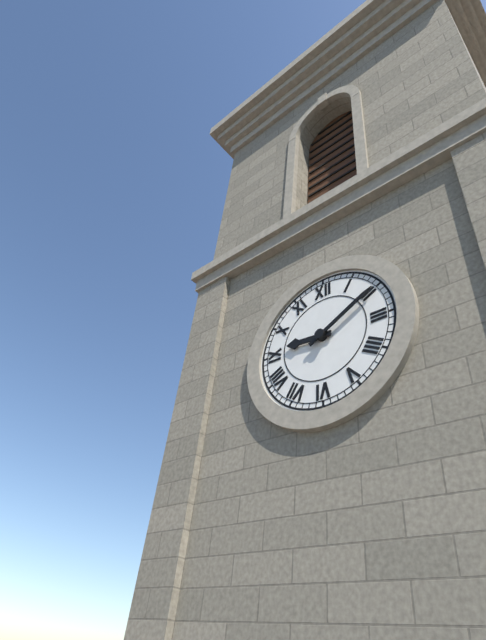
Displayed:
9,10
